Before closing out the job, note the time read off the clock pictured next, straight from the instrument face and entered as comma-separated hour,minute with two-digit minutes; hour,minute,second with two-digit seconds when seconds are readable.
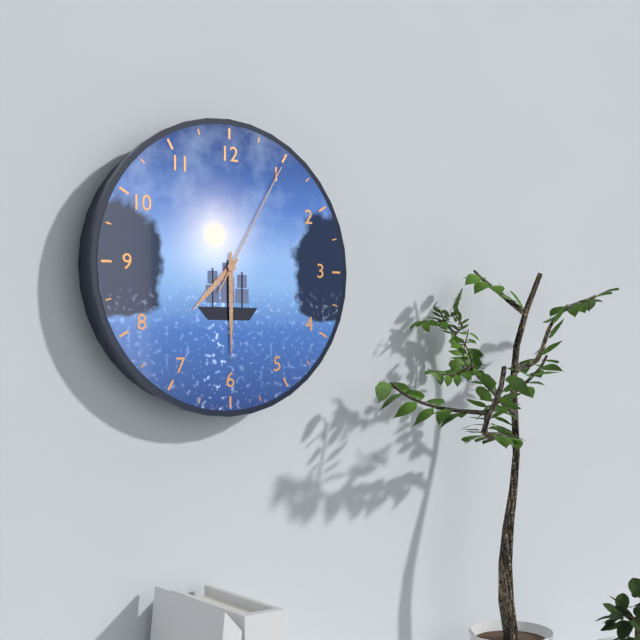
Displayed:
7,30,05
